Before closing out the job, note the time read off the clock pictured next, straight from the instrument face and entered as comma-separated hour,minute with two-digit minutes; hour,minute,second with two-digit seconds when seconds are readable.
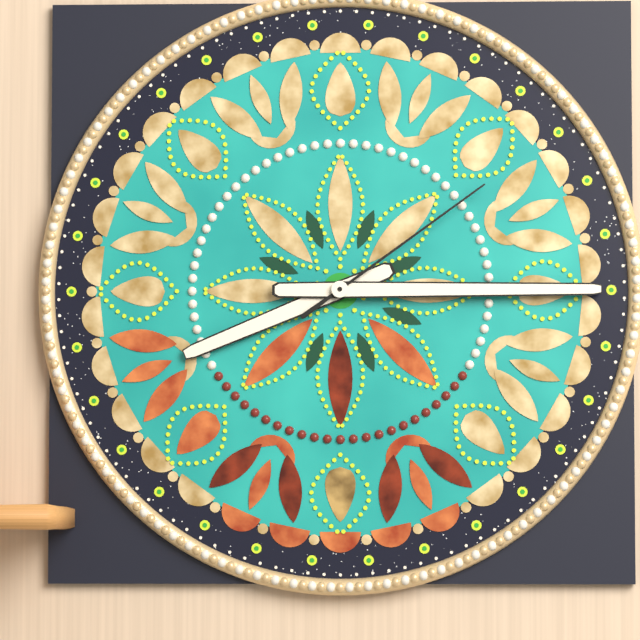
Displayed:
8,15,09
